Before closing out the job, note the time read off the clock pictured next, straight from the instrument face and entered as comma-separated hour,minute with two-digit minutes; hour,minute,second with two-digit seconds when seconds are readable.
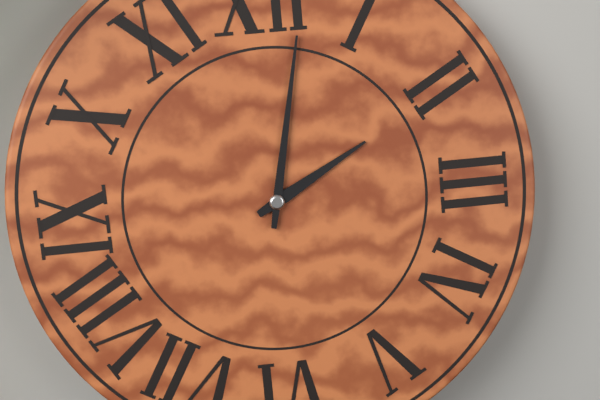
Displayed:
2,02
